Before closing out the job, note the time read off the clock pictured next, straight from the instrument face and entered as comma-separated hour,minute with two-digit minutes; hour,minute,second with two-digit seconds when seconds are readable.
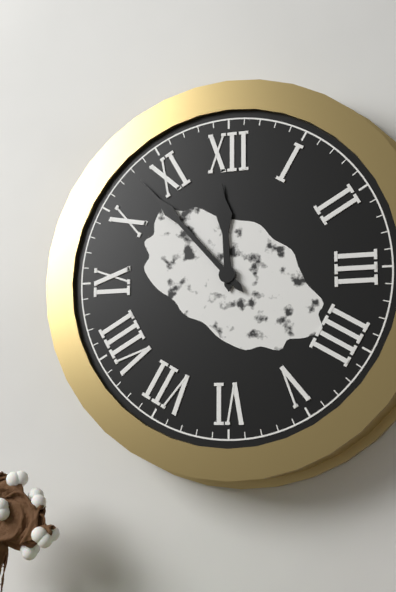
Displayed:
11,53
